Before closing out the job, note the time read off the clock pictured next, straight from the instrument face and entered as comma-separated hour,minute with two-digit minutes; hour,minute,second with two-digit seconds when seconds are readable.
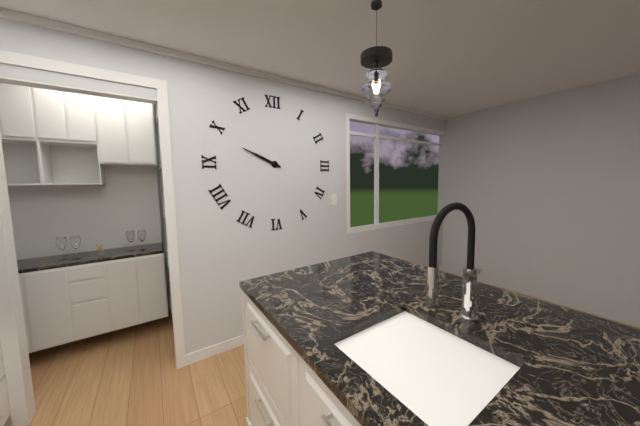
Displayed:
9,49
